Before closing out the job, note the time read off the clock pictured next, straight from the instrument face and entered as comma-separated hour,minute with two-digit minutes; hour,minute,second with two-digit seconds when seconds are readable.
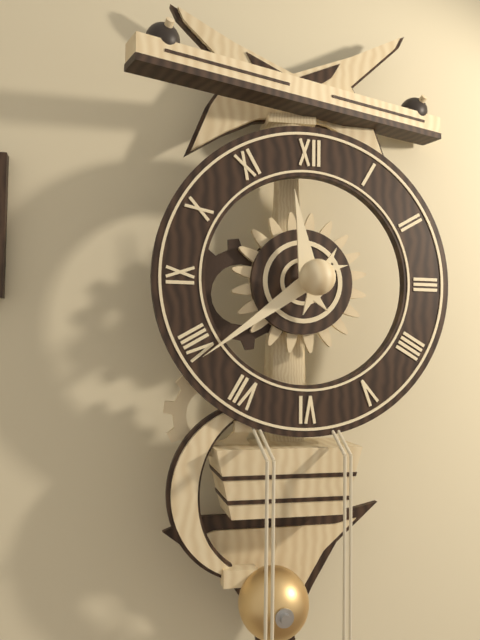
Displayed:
11,39
